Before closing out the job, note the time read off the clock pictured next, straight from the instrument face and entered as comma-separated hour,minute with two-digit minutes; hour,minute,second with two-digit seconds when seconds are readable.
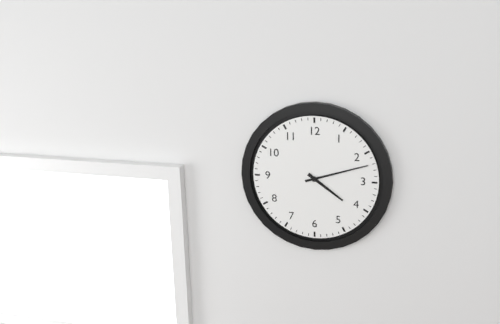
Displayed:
4,12
